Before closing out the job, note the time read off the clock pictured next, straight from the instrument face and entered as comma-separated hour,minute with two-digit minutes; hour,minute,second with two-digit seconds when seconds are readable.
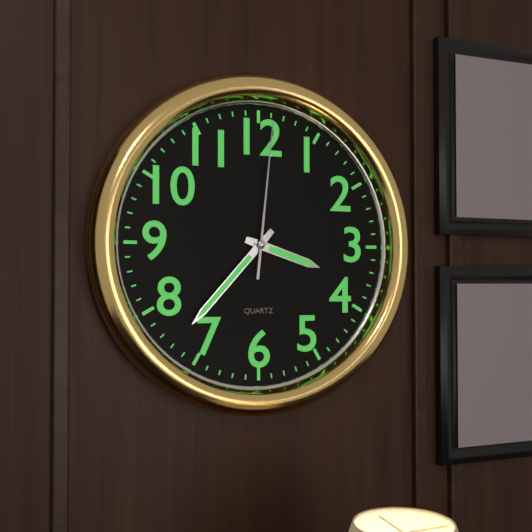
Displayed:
3,37,01
